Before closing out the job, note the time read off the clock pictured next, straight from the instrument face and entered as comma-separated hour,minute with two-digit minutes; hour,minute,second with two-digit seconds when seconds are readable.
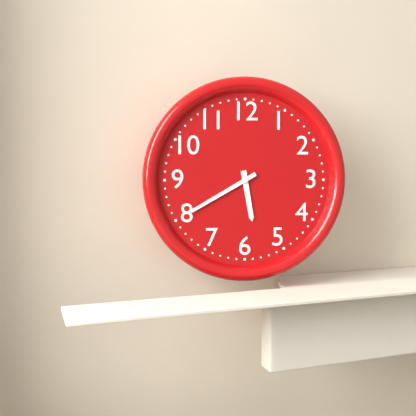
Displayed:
5,40
